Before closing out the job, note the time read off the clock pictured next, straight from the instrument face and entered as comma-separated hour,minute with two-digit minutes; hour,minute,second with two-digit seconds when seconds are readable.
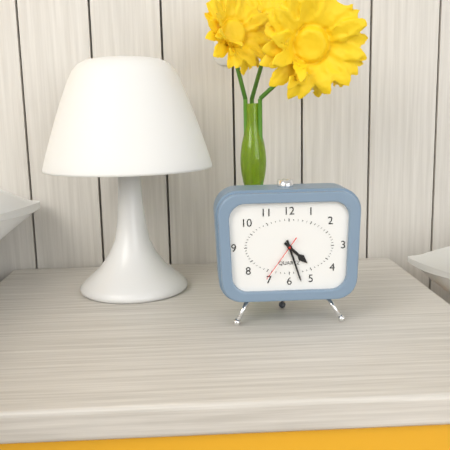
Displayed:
4,27
